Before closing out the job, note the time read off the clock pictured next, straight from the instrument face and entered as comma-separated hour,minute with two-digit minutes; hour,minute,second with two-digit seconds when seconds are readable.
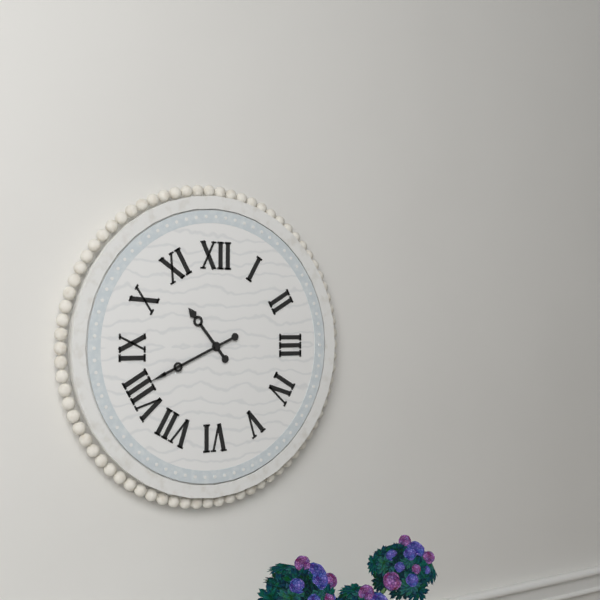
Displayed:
10,41
